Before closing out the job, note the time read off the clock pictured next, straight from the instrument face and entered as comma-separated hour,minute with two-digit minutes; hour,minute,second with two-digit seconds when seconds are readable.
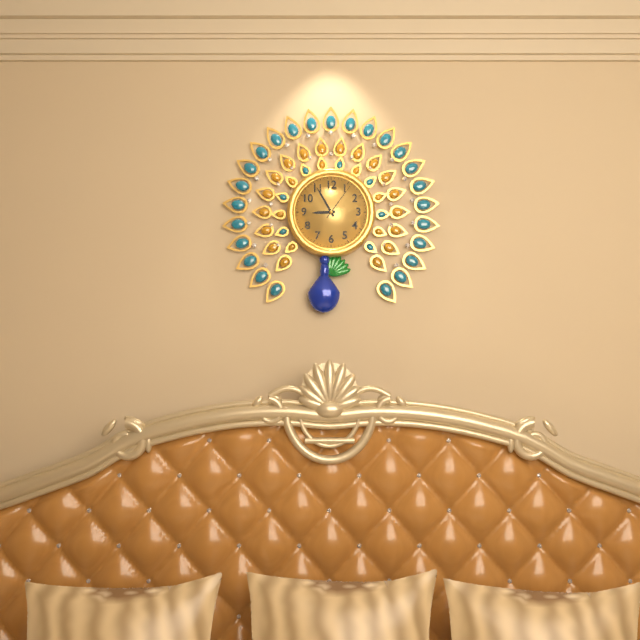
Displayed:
8,55
